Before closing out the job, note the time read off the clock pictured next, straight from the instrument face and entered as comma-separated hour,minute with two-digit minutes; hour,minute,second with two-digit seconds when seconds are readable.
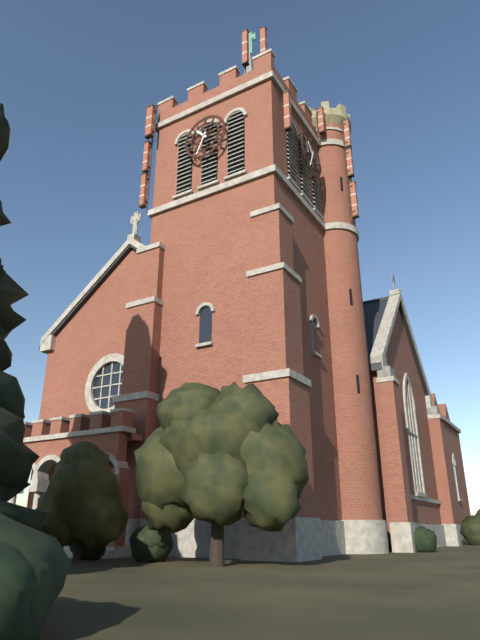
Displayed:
10,34
